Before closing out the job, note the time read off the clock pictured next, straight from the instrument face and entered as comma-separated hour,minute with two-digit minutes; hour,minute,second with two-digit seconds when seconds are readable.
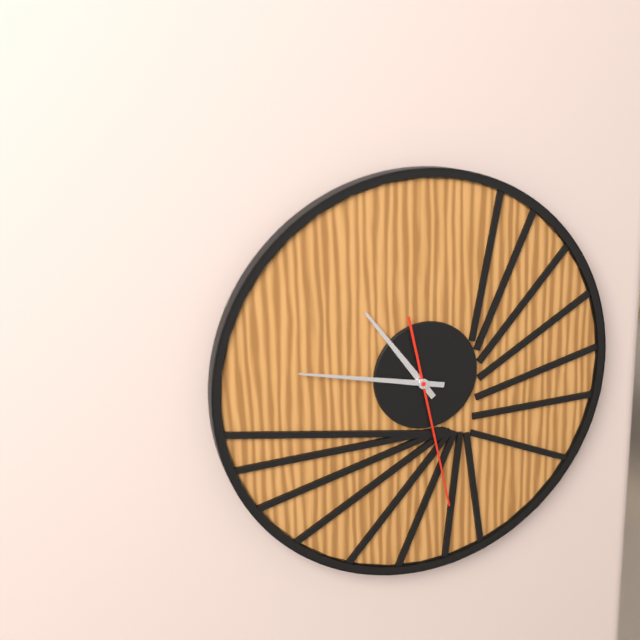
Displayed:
10,47,28
